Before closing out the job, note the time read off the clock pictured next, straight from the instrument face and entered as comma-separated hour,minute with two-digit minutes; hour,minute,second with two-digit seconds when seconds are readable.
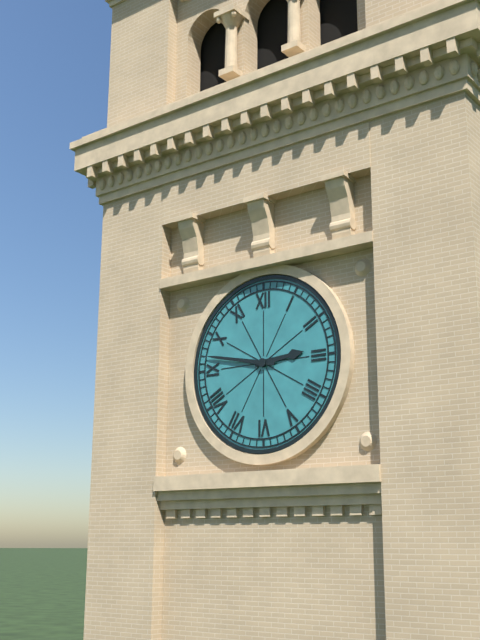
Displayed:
2,47
